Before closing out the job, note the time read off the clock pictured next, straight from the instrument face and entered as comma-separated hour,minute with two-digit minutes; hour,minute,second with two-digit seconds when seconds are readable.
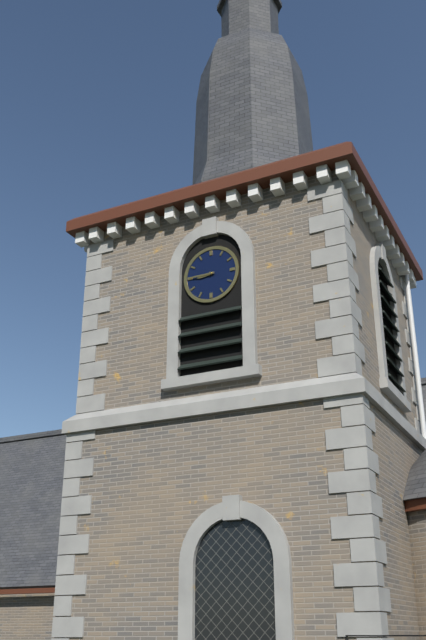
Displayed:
8,45
